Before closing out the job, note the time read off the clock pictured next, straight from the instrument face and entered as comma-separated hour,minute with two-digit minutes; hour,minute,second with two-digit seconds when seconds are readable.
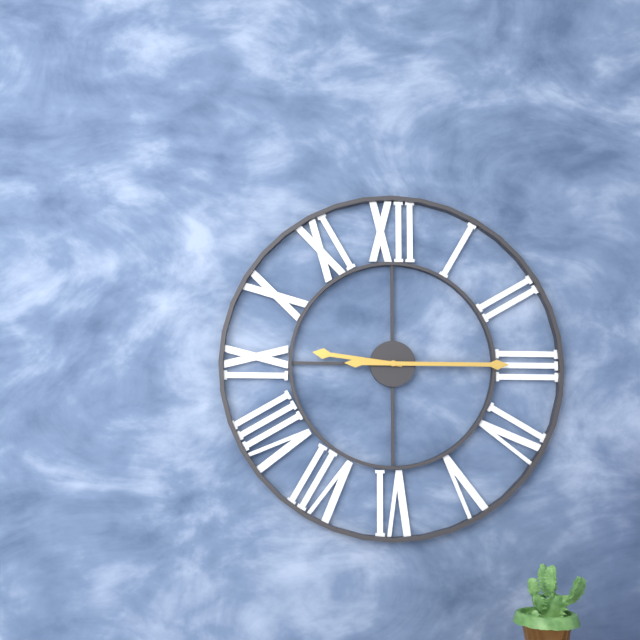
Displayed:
9,15
